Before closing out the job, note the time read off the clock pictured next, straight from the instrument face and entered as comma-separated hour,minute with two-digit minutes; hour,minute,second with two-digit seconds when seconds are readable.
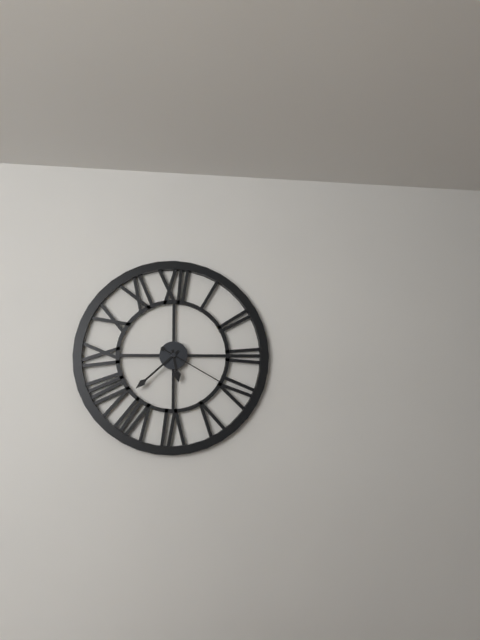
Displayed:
5,38,20
